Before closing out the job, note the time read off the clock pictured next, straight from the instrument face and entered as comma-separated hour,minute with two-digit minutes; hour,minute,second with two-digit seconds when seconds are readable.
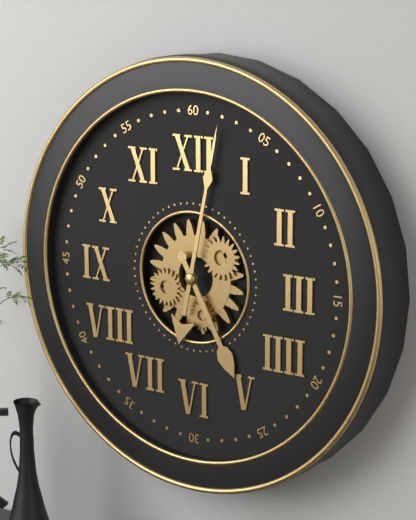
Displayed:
5,02
